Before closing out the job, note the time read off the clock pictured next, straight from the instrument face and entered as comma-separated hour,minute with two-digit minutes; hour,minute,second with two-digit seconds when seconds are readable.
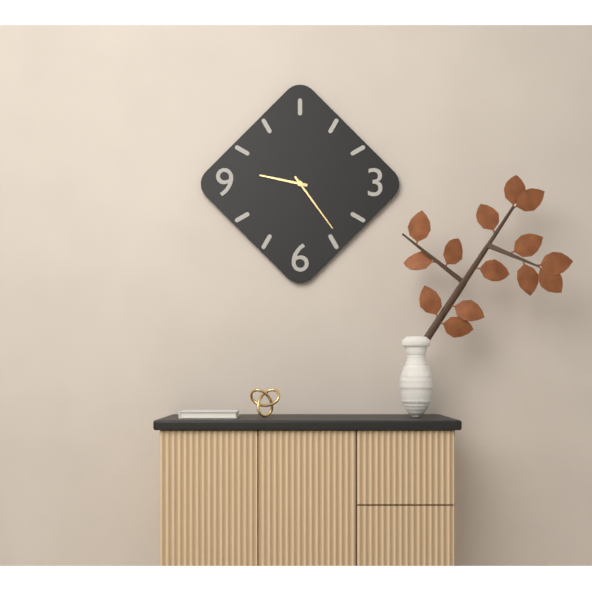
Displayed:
9,24
